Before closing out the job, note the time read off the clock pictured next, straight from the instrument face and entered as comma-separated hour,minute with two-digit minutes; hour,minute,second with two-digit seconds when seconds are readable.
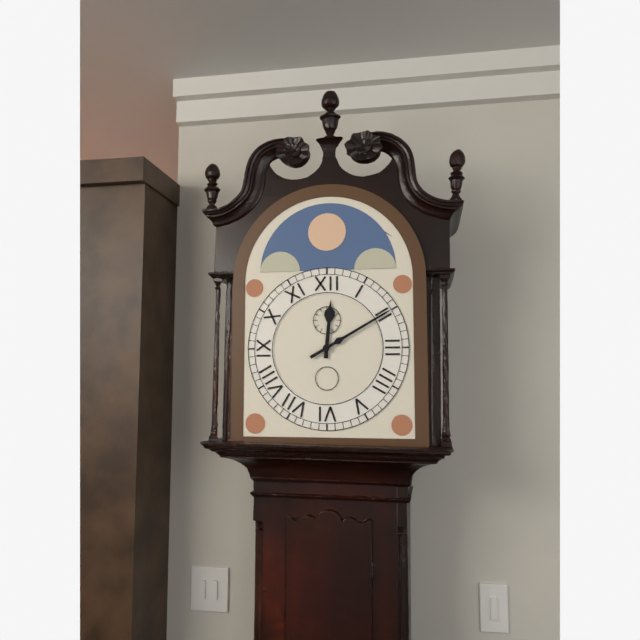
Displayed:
12,10
